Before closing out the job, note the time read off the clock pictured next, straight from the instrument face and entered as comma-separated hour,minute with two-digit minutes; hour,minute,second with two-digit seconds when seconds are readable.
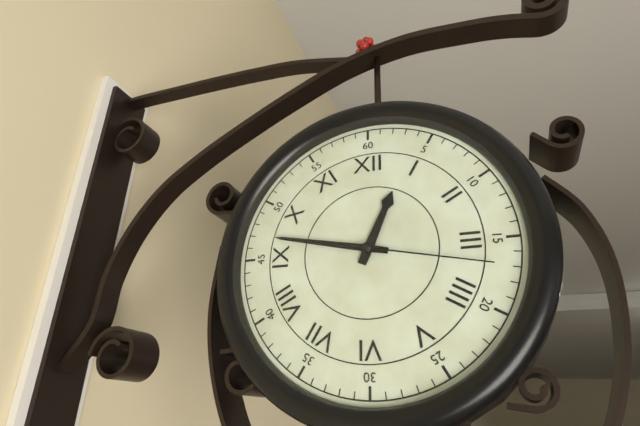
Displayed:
12,47,17
